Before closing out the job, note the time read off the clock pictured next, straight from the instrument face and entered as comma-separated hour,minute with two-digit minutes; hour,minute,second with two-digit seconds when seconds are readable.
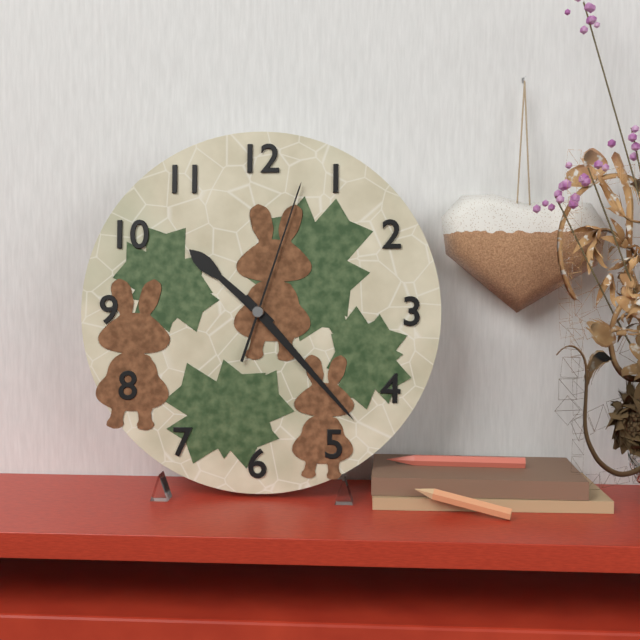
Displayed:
10,23,03
